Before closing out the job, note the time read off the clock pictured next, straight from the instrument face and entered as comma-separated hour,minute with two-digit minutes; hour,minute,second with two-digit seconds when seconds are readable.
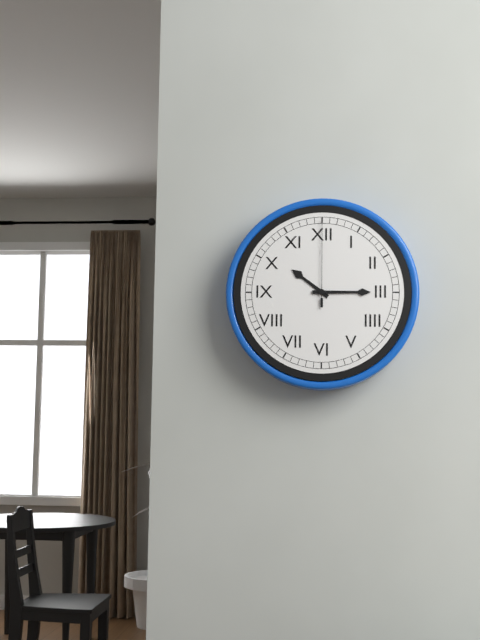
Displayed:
10,15,00
